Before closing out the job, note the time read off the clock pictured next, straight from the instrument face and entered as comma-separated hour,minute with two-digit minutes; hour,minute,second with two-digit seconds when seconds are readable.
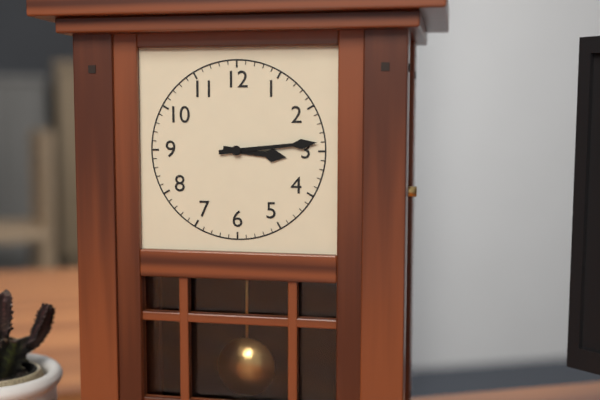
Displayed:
3,14
